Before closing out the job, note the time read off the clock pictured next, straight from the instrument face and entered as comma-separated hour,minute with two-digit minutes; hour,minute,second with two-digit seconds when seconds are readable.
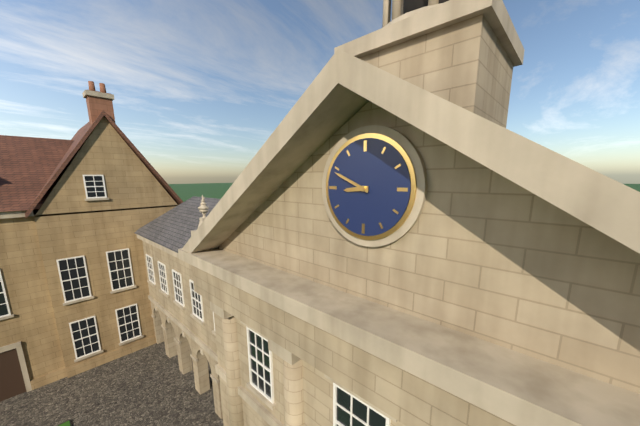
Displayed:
8,49
